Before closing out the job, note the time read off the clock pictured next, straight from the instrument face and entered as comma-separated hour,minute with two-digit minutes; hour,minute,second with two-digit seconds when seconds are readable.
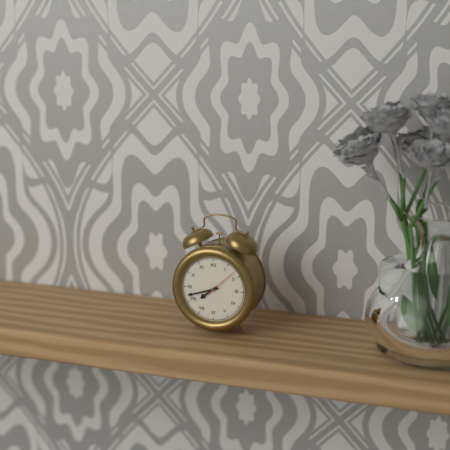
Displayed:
7,42
